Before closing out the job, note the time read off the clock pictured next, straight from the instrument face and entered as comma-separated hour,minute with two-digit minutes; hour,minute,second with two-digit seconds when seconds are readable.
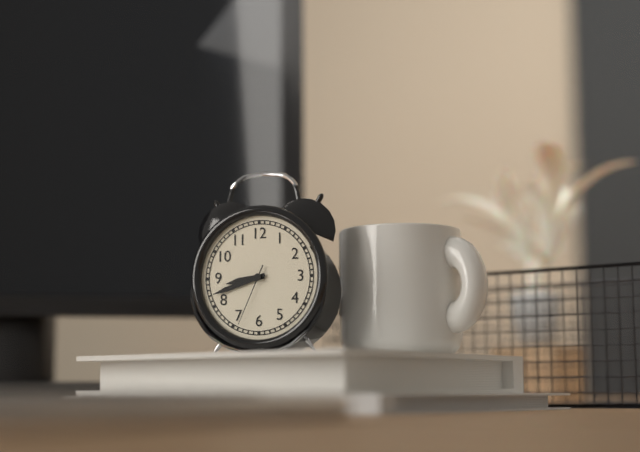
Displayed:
8,42,34
